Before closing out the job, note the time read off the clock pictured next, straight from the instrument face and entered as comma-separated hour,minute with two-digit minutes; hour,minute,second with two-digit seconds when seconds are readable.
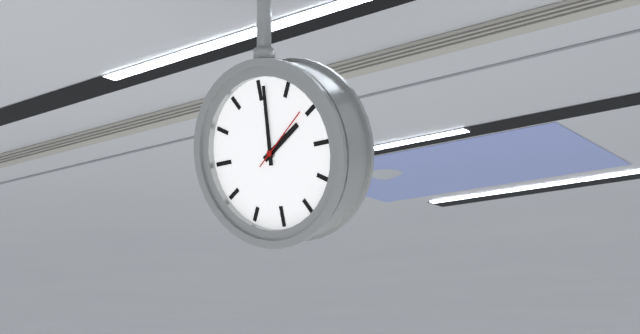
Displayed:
2,01,09
